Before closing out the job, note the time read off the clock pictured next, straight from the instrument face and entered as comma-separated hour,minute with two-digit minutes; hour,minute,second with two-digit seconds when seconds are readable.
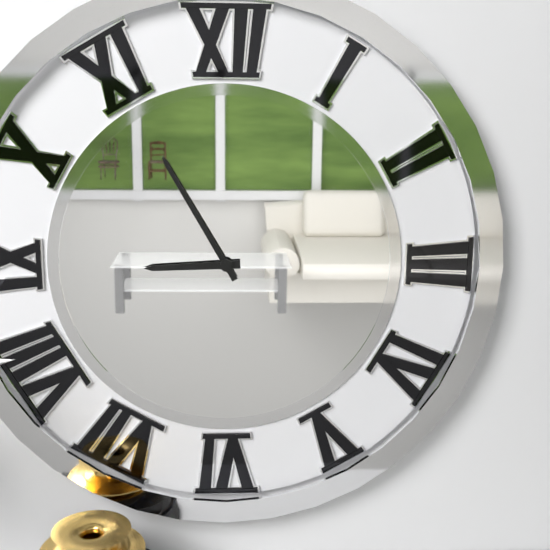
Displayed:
8,55
